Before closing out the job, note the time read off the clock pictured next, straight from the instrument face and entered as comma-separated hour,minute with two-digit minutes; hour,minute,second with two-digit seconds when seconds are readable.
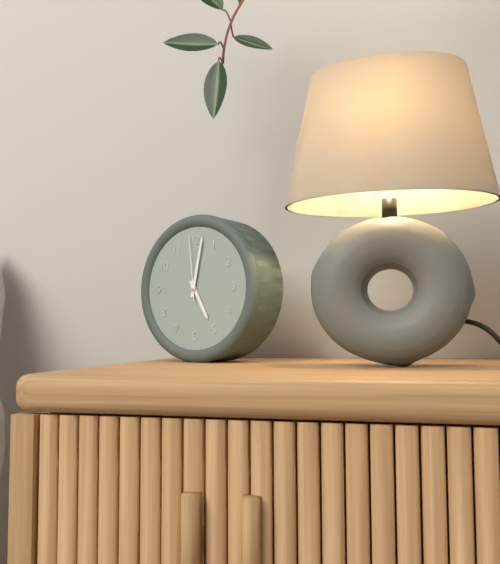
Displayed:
5,02,59
